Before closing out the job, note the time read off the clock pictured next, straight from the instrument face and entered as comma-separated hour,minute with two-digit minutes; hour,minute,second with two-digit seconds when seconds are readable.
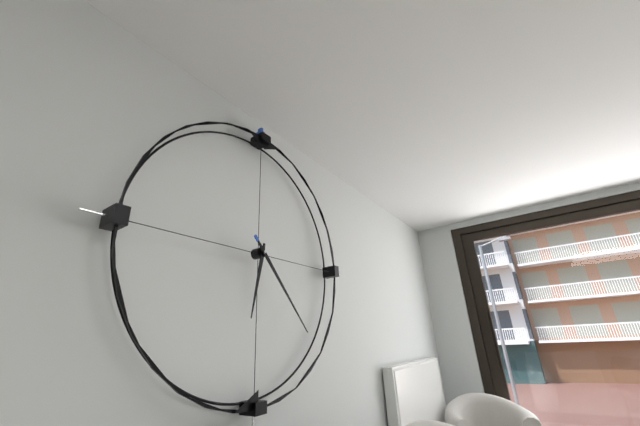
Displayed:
6,23
